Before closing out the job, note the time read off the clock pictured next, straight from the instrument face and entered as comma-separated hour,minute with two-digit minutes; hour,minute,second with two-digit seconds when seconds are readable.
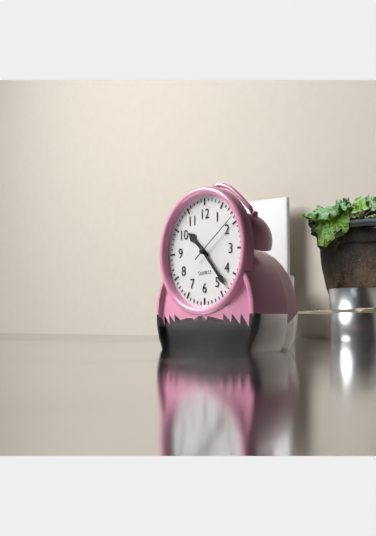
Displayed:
10,23,09
